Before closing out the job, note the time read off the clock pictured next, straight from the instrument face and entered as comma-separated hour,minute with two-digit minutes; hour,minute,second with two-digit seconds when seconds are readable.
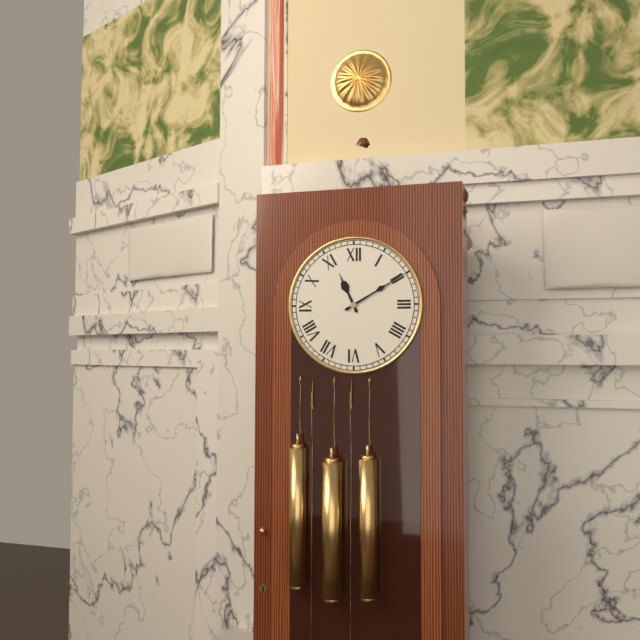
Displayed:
11,10
